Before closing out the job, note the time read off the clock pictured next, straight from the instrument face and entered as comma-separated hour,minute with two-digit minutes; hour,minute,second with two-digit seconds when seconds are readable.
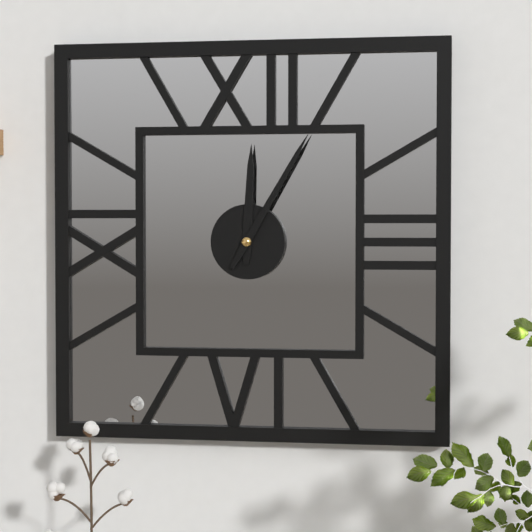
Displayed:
12,05
